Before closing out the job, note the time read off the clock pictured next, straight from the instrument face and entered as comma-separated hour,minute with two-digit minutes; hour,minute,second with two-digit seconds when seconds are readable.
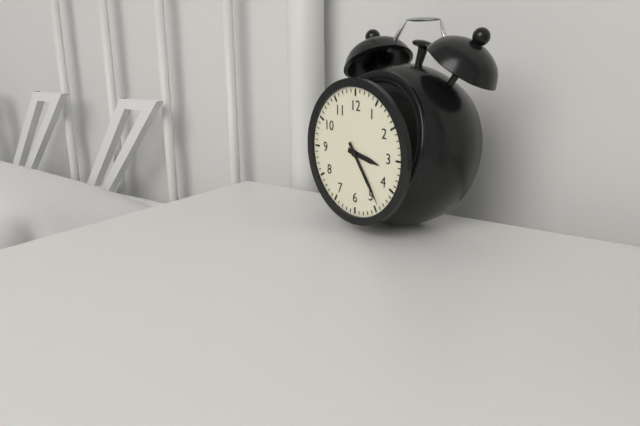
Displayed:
3,24
